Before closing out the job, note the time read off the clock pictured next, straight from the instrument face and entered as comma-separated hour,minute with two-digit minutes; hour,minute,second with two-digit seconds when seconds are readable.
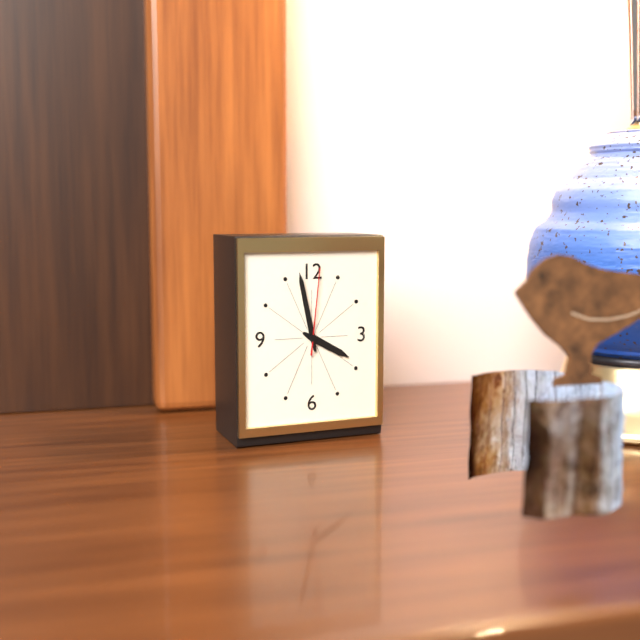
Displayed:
3,58,01
